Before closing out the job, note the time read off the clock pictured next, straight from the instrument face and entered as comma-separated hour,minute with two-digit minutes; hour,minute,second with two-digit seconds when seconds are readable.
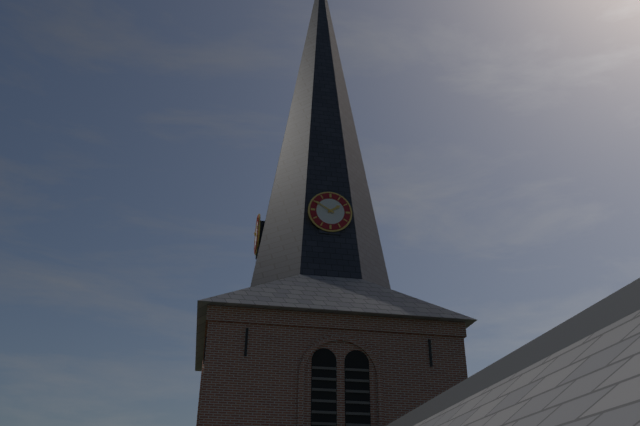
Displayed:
1,50
